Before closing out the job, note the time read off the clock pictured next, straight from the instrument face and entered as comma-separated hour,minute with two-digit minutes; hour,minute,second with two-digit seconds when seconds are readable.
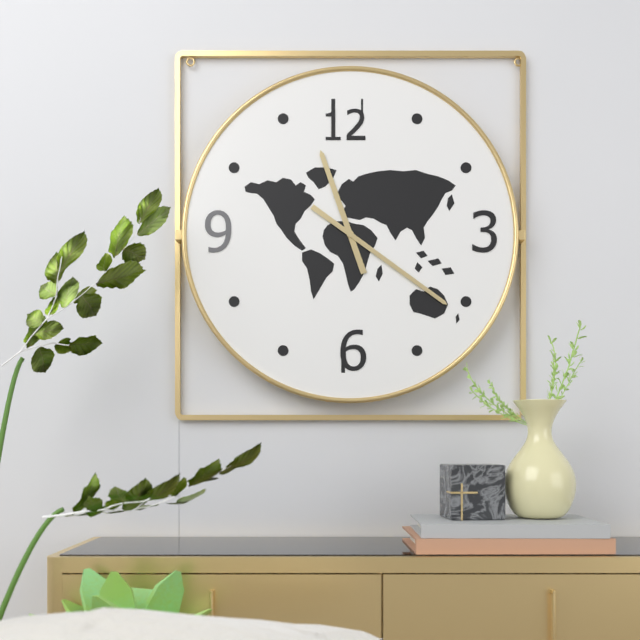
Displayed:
11,21
